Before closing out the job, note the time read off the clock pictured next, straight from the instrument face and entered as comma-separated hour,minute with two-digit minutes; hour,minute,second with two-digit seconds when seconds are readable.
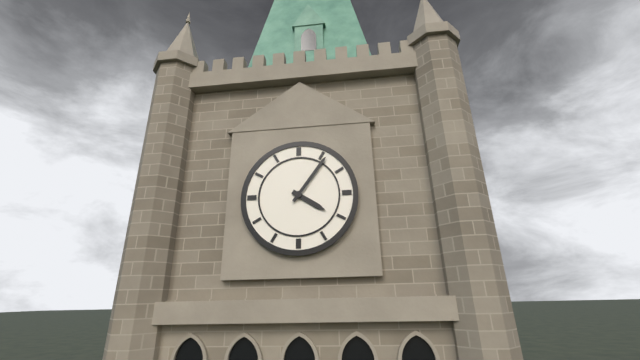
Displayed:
4,06
